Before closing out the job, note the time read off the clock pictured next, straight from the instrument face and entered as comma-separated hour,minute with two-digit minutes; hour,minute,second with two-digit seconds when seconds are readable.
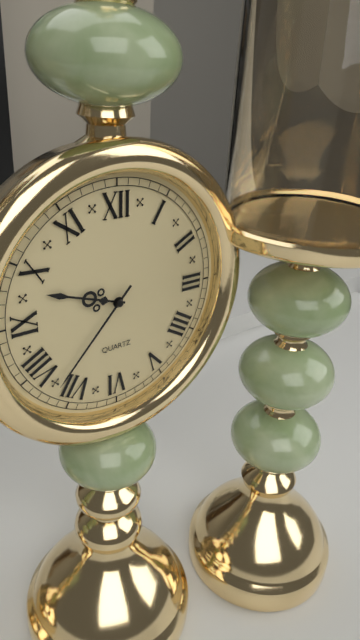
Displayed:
9,37
